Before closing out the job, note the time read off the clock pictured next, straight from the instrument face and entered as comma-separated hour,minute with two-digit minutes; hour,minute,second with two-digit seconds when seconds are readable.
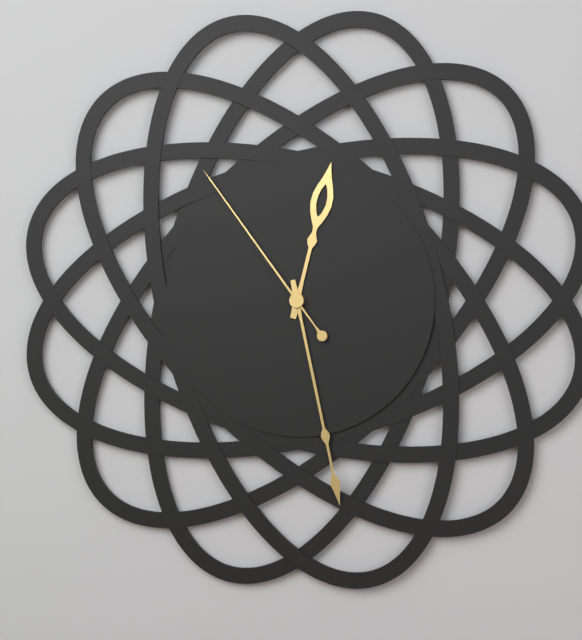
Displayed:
12,28,54
